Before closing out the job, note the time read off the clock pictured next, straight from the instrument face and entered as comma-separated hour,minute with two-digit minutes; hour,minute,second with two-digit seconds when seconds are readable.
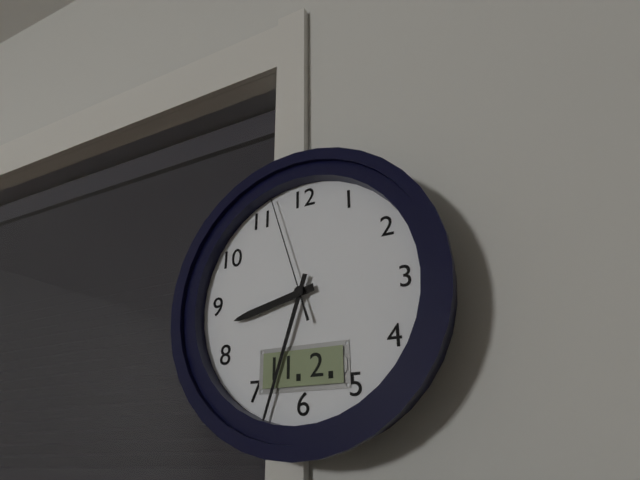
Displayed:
8,33,57
